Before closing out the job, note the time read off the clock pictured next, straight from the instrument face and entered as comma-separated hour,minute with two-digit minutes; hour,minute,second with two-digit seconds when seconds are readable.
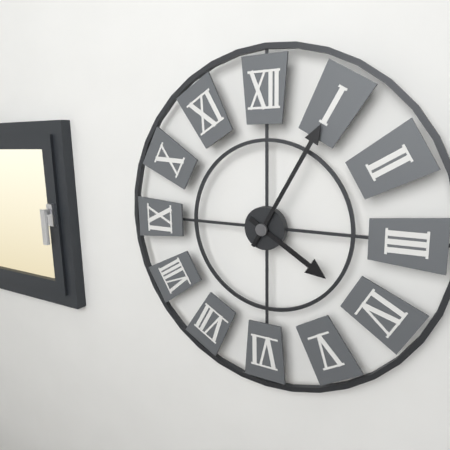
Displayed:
4,05
